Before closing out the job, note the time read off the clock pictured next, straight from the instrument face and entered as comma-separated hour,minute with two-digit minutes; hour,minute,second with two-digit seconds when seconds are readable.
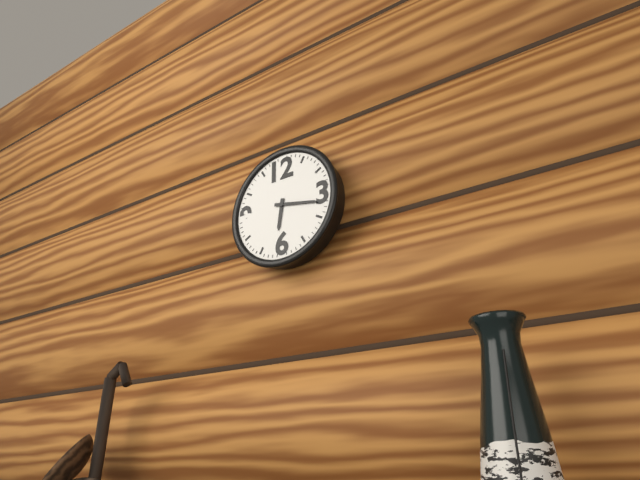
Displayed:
6,17
